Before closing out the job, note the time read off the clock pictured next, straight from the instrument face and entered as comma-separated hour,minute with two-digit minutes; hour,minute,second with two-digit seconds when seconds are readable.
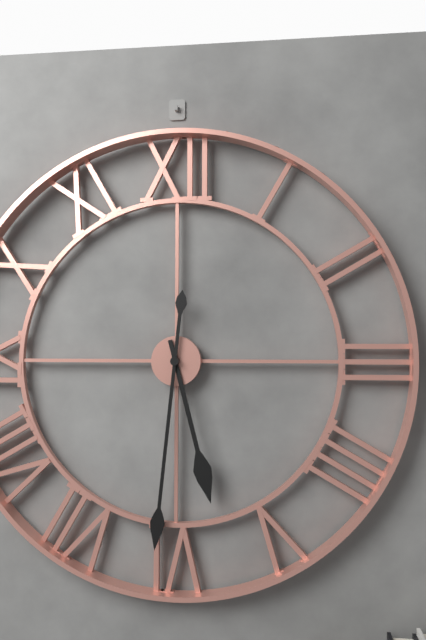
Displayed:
5,31
